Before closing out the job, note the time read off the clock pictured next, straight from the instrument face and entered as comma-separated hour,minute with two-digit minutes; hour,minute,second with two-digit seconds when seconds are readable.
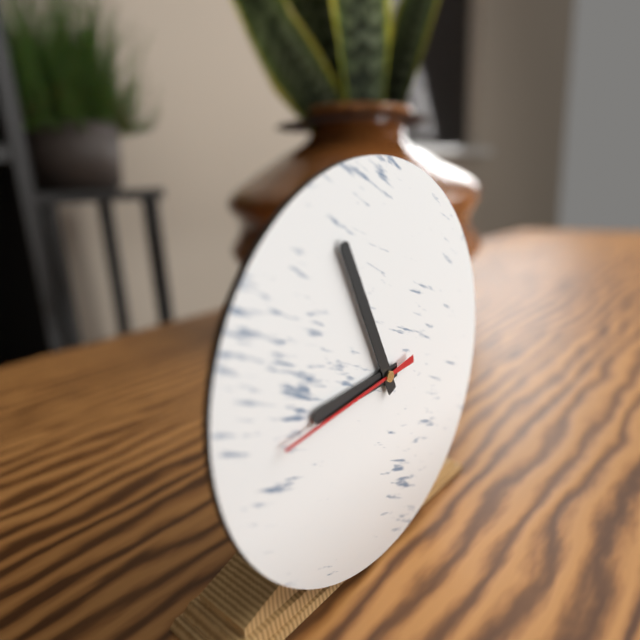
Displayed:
8,56,44
